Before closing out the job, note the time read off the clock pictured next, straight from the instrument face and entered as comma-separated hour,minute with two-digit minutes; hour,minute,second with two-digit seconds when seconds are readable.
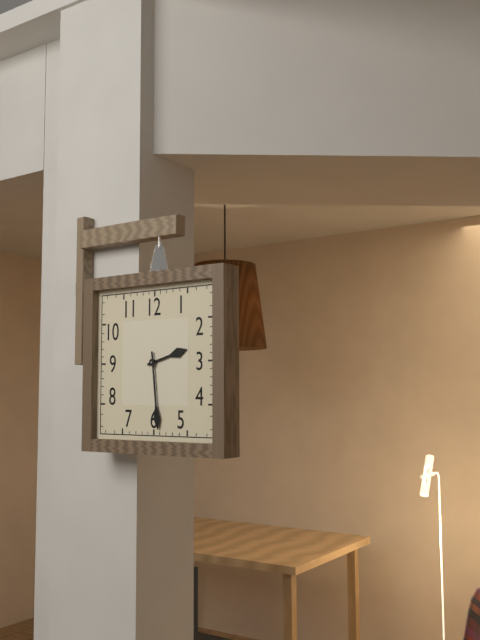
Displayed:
2,29
